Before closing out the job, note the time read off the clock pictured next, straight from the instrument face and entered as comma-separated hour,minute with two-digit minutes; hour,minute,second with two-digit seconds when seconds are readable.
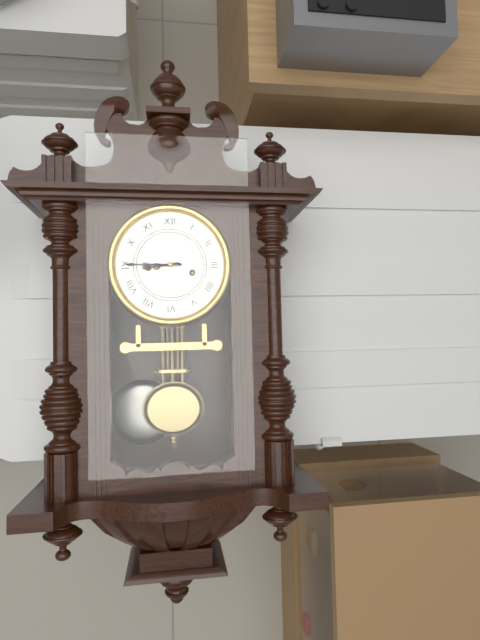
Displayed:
8,45
